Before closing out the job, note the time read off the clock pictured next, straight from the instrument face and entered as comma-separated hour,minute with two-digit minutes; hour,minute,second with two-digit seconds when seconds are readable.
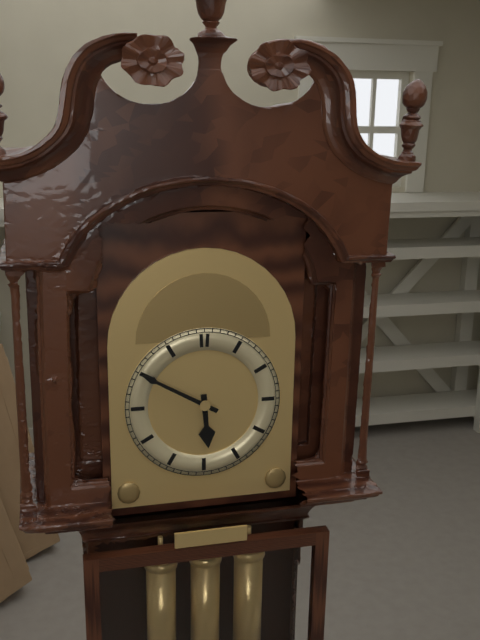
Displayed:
5,50
